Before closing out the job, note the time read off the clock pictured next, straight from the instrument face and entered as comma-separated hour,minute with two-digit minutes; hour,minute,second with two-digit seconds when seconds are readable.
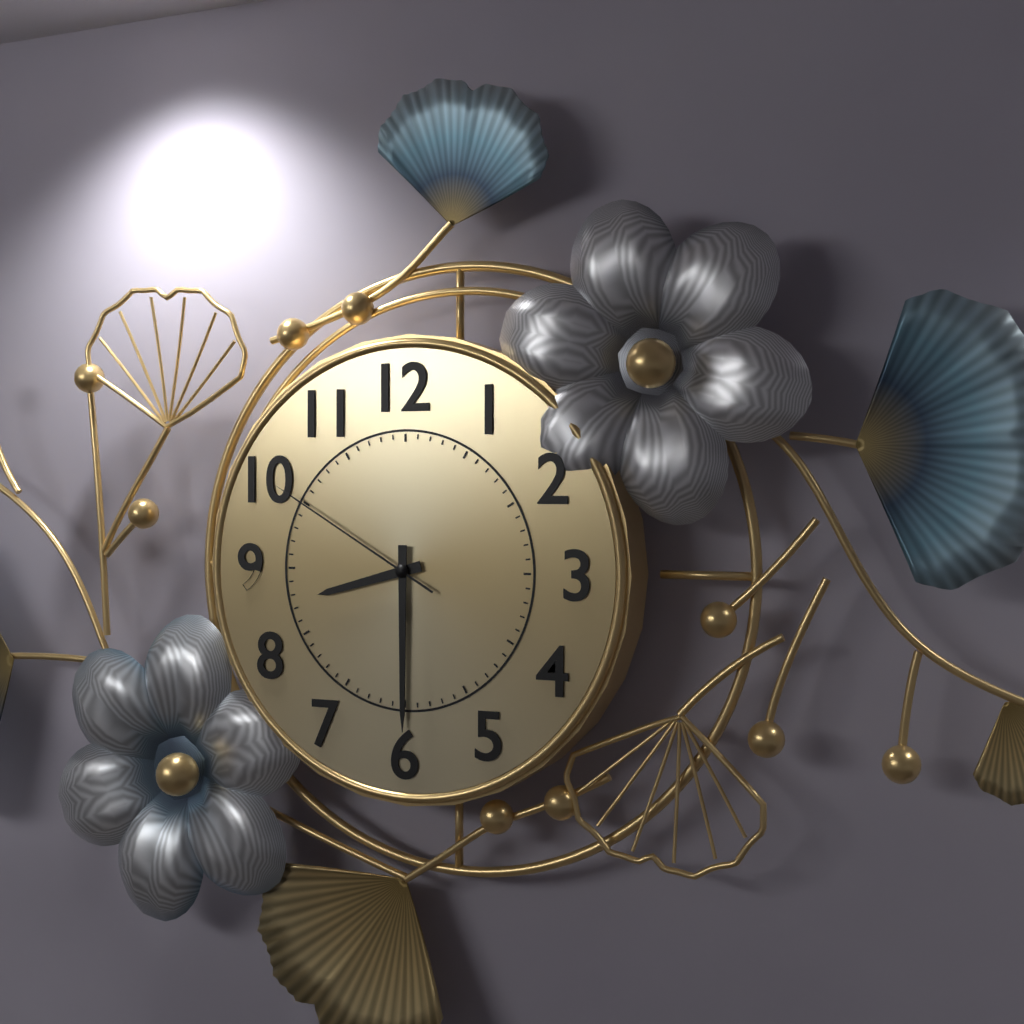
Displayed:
8,30,50
